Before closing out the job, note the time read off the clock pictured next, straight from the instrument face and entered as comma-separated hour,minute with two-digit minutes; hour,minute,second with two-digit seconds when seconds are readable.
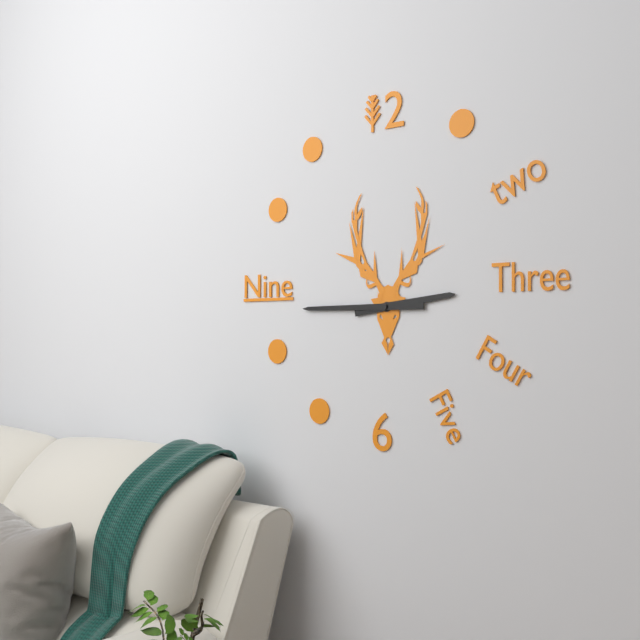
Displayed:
2,45
